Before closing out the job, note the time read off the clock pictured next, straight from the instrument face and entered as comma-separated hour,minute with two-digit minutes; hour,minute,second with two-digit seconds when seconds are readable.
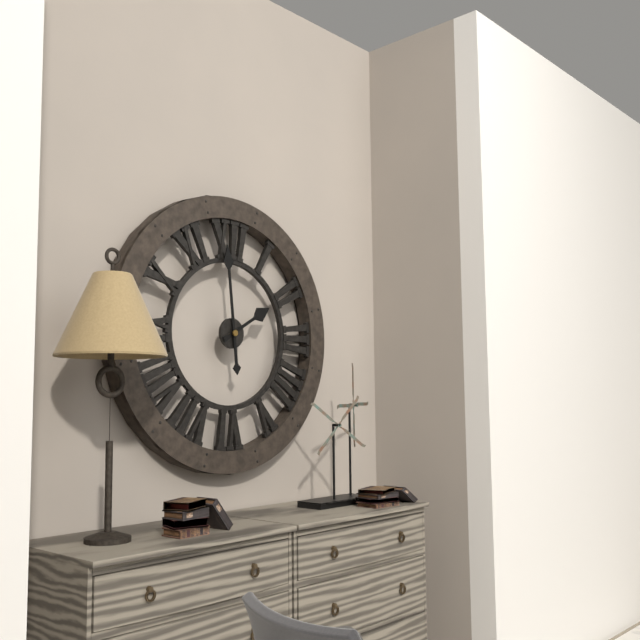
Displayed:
1,59
